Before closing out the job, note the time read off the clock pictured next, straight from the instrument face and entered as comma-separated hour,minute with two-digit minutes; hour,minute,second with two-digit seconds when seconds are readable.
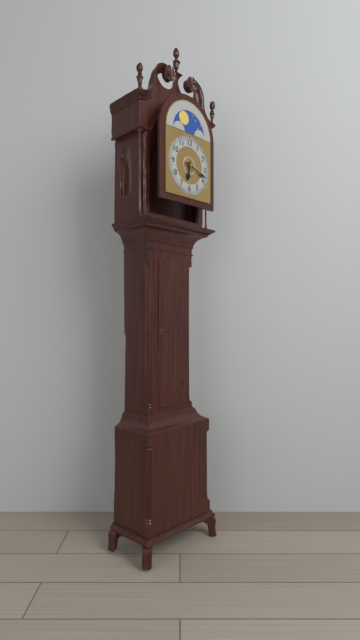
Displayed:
6,18
